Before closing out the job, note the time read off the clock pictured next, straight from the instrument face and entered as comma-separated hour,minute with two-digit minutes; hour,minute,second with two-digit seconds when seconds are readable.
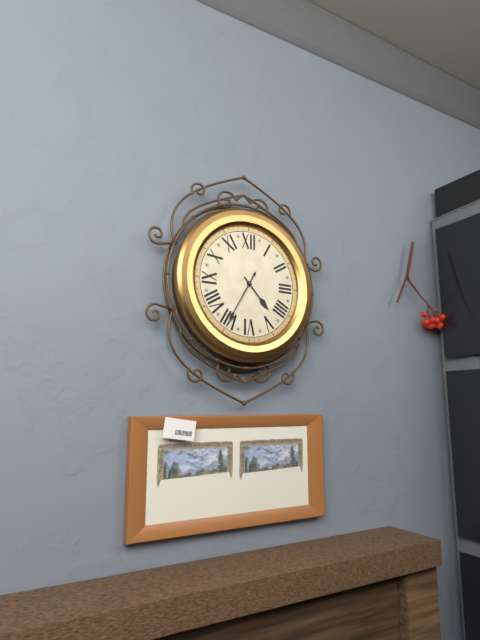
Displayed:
4,35
